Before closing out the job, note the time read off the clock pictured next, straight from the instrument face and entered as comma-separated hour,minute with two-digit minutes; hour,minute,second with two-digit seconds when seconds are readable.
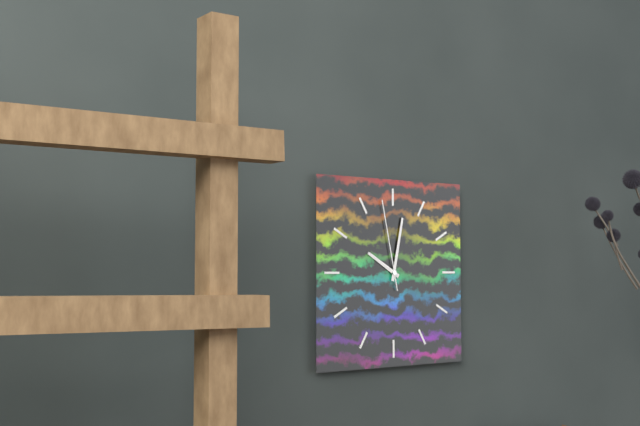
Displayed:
10,02,58
